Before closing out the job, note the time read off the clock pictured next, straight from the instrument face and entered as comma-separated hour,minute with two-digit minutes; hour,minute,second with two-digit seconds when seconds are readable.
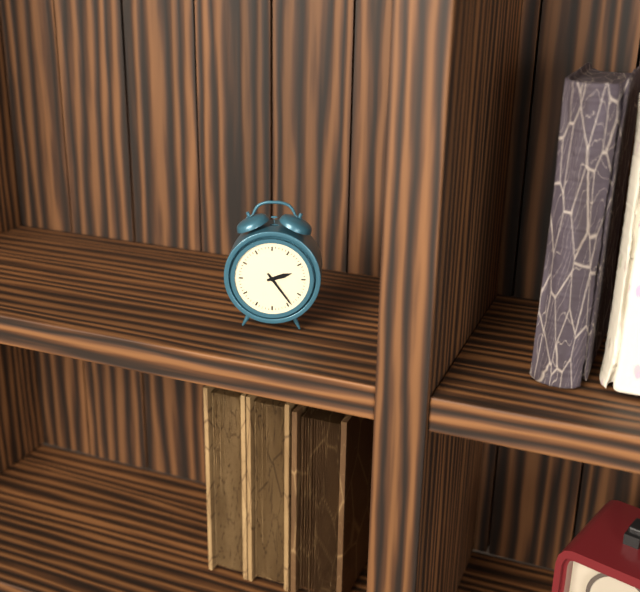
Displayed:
2,24
